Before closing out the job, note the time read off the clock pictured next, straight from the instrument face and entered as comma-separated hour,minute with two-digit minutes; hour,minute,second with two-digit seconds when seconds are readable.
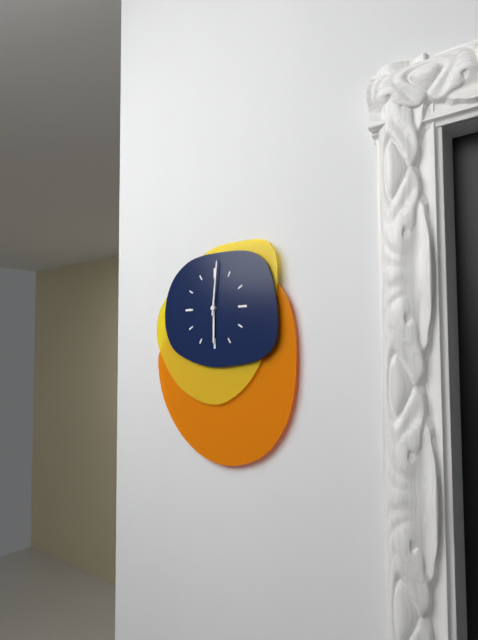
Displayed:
6,01
